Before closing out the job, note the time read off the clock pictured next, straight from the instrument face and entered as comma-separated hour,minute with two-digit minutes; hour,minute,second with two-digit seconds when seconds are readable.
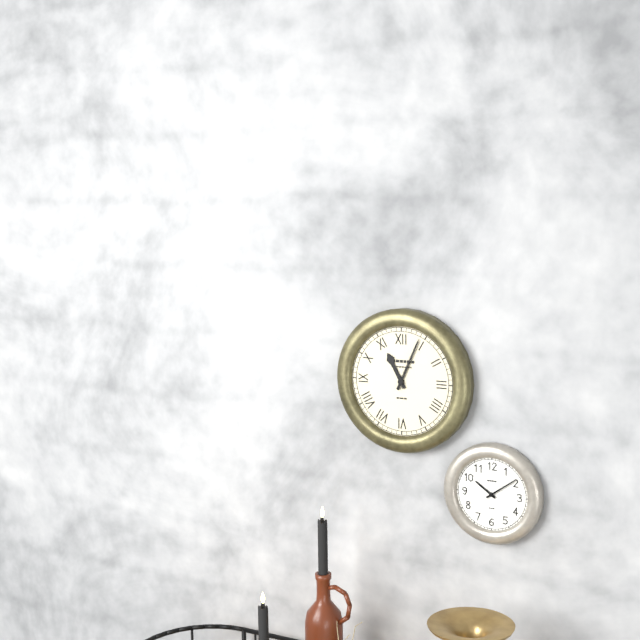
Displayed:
11,04
